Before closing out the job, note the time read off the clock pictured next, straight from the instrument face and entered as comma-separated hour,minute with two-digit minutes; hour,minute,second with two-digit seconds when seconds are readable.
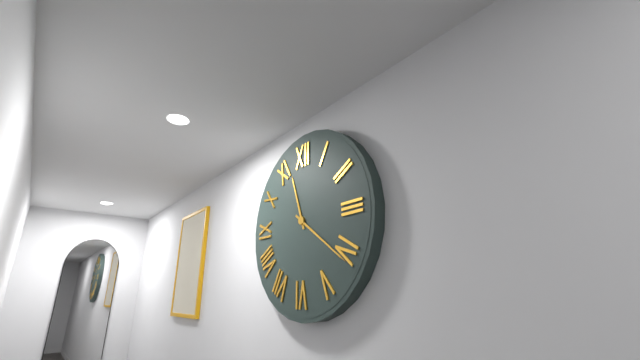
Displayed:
11,21
